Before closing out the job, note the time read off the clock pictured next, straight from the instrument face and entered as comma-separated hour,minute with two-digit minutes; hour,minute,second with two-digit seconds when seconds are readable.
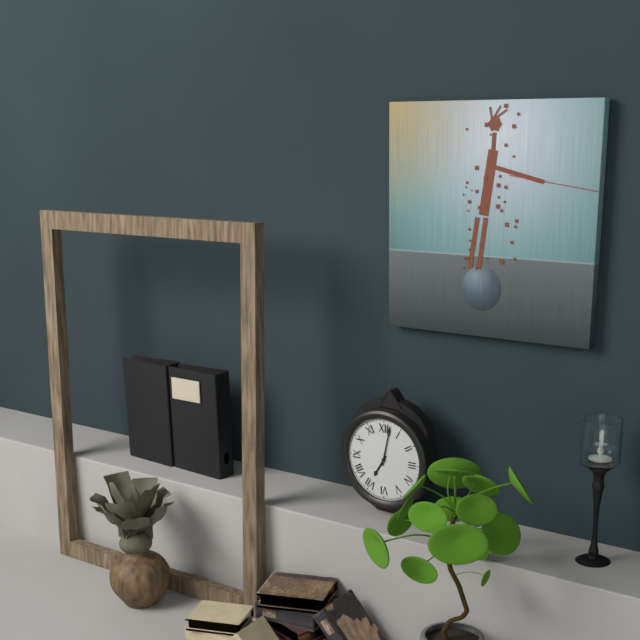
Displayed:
7,02
